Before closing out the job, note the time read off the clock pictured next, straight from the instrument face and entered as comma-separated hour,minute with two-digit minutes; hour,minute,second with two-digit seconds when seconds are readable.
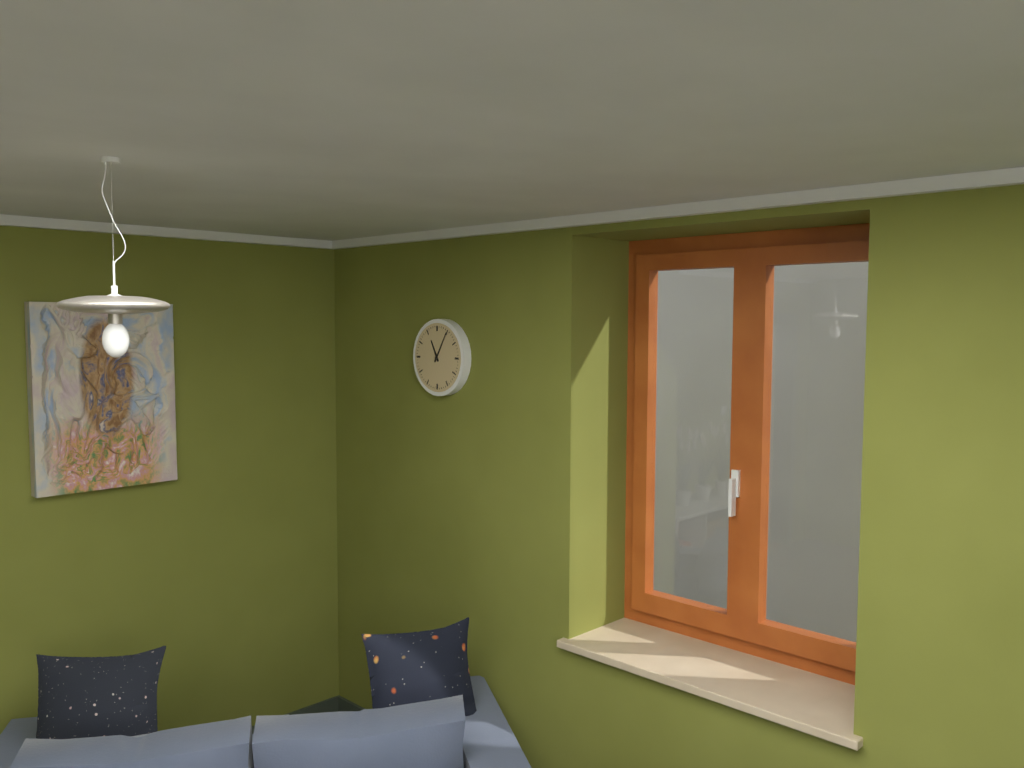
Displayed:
11,05
